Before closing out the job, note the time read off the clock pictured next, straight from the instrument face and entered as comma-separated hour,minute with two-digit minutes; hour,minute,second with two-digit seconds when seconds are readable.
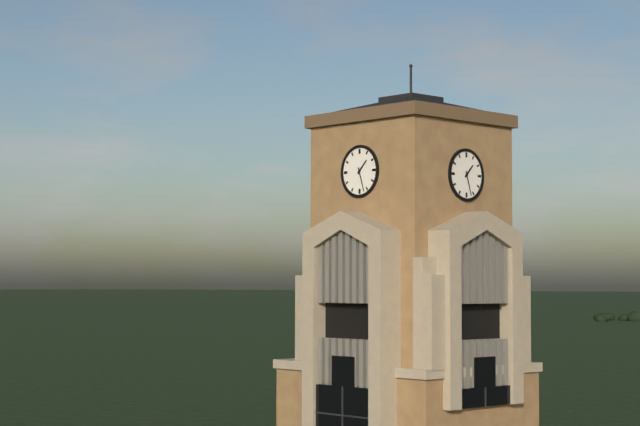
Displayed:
1,27
